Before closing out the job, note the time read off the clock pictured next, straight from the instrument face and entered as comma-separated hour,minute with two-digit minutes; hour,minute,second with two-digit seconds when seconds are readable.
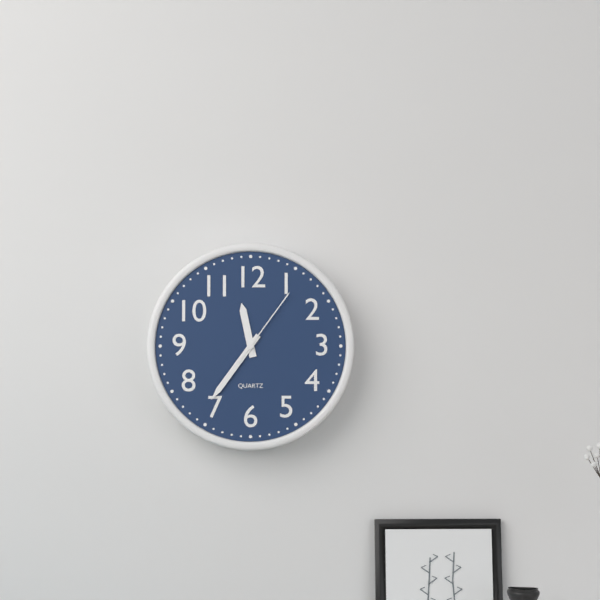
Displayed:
11,36,06
